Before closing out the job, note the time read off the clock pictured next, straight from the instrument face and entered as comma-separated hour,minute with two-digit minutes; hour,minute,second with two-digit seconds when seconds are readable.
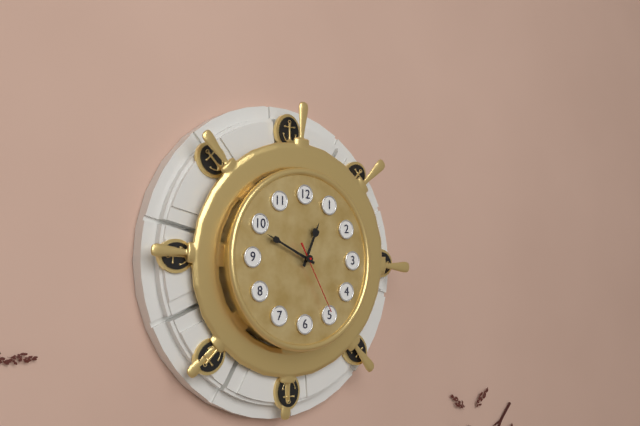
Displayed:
12,49,25
